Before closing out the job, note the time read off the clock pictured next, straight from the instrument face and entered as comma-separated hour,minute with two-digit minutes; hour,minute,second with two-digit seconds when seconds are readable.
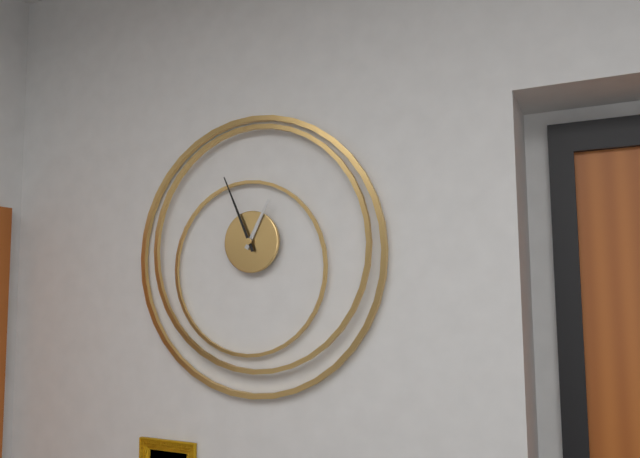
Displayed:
12,56
